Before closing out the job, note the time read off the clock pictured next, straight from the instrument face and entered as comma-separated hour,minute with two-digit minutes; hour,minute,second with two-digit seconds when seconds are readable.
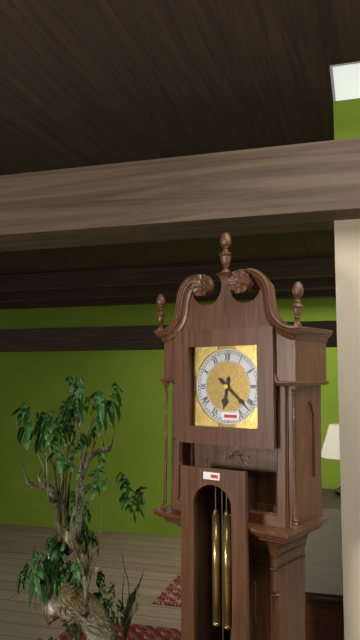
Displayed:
6,22
